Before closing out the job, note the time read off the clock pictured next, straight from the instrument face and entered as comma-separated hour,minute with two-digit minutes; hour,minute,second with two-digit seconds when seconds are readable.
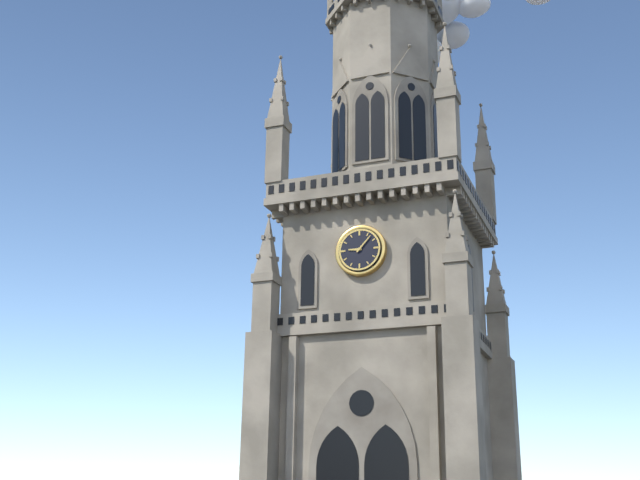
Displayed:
9,07
